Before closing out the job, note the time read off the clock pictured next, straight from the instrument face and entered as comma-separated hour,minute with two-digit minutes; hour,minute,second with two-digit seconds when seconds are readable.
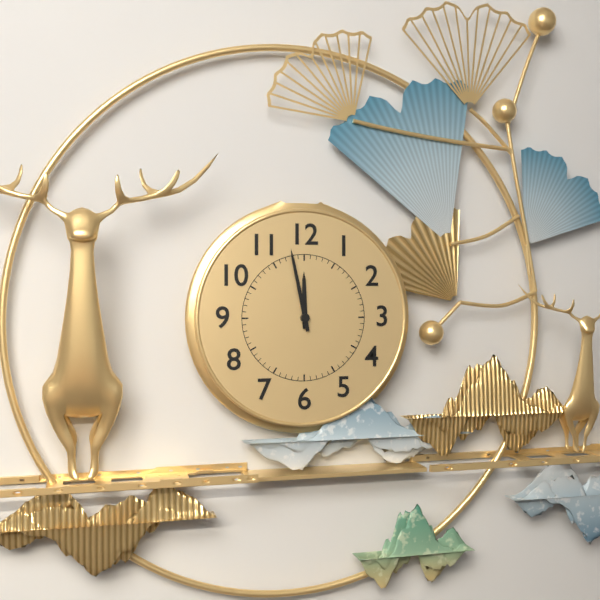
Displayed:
11,58
